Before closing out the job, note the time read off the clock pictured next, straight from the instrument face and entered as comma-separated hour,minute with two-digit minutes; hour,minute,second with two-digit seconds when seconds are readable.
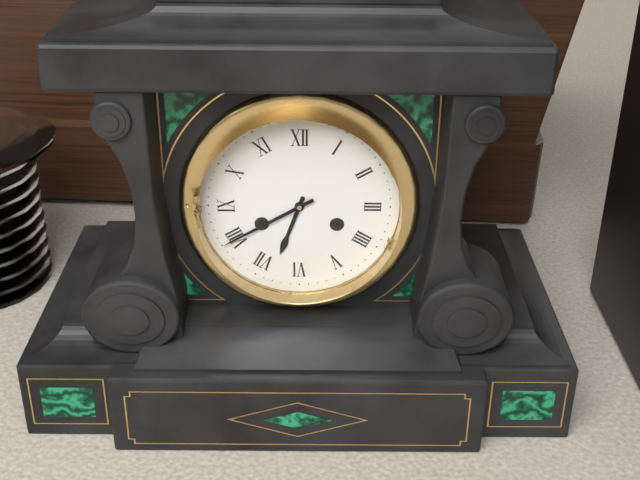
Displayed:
6,40
